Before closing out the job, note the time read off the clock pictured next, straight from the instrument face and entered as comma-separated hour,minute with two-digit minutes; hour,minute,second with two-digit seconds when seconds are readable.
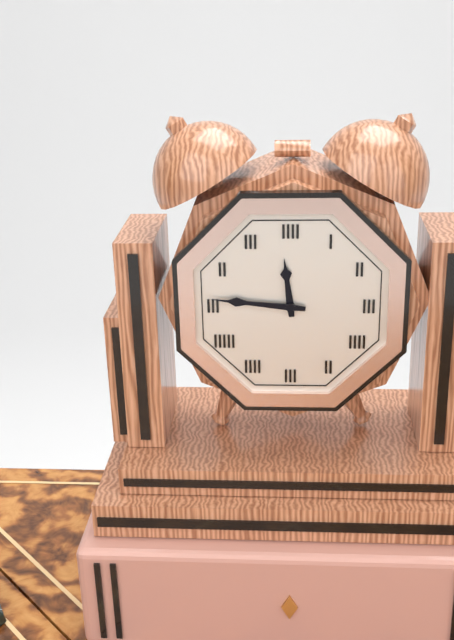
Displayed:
11,46
